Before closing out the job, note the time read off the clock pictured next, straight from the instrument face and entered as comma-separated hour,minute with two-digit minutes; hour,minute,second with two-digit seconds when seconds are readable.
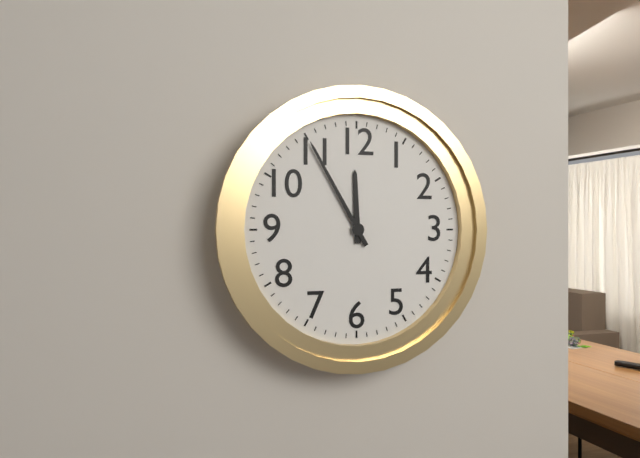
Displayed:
11,55
